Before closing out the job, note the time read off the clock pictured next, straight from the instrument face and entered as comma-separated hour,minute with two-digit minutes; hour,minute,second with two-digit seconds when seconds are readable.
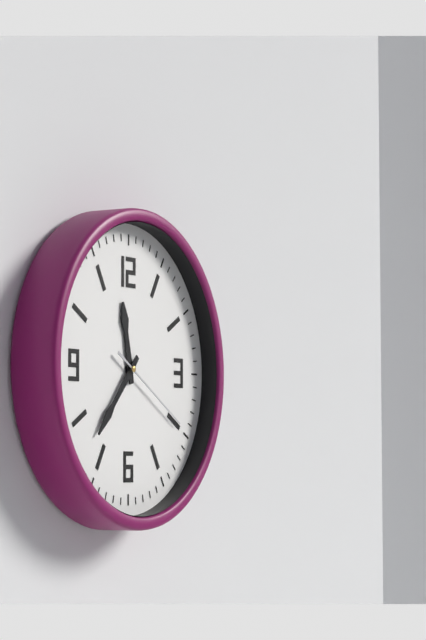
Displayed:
11,37,20
